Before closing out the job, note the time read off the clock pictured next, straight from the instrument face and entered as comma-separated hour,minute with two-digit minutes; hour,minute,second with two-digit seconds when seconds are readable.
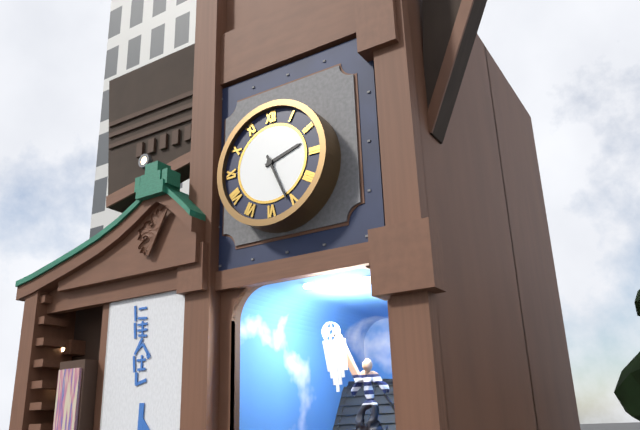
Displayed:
2,26
